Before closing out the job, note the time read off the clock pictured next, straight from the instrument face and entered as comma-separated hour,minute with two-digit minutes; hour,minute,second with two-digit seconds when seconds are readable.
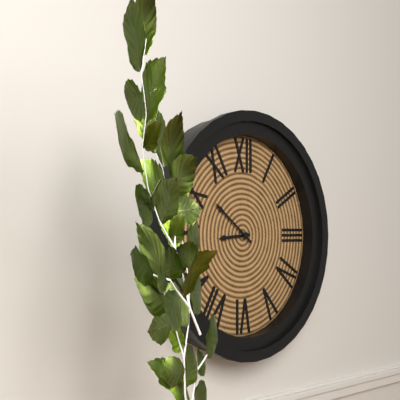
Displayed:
8,51
